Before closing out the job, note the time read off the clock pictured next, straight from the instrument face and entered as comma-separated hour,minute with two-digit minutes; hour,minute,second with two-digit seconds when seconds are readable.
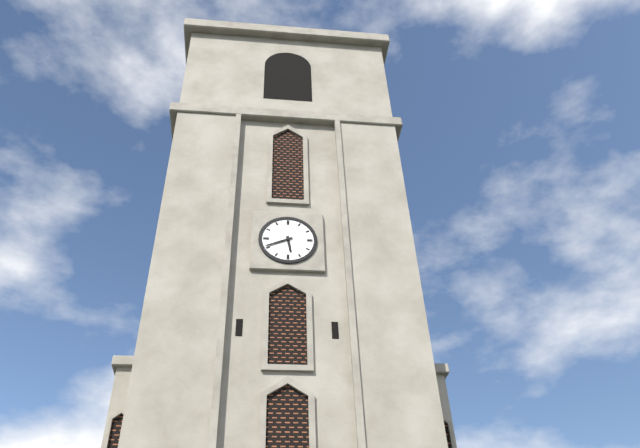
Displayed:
5,41
